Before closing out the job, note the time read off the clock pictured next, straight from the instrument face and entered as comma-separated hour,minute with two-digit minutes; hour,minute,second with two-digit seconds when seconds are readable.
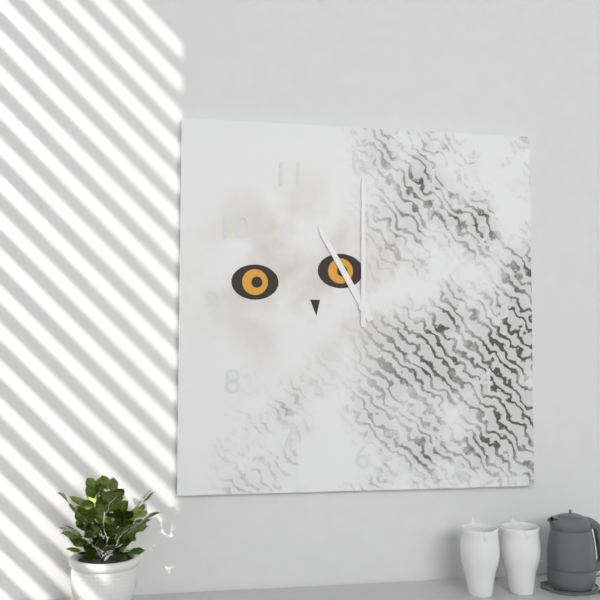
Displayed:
11,00
